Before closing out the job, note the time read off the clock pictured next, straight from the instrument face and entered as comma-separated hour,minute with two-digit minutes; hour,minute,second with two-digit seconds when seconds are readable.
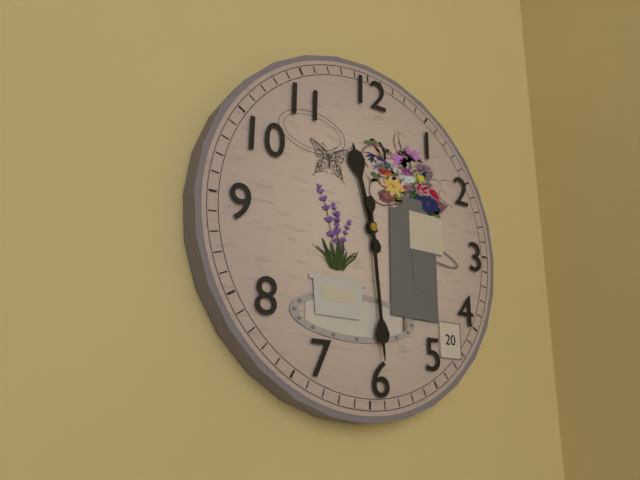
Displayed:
11,29
